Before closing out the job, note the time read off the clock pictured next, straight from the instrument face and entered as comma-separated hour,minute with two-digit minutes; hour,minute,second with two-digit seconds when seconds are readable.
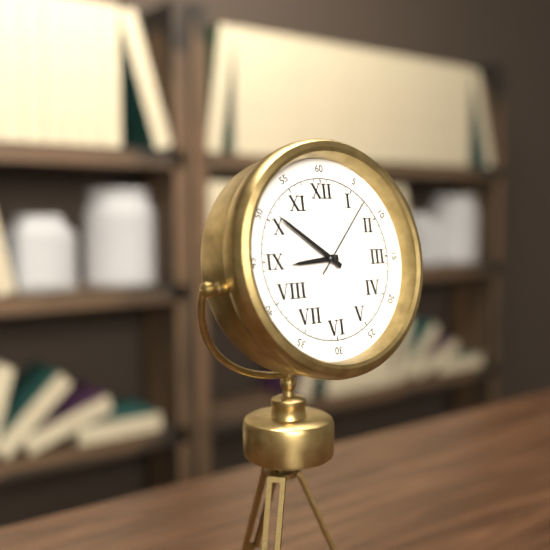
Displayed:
8,51,07
